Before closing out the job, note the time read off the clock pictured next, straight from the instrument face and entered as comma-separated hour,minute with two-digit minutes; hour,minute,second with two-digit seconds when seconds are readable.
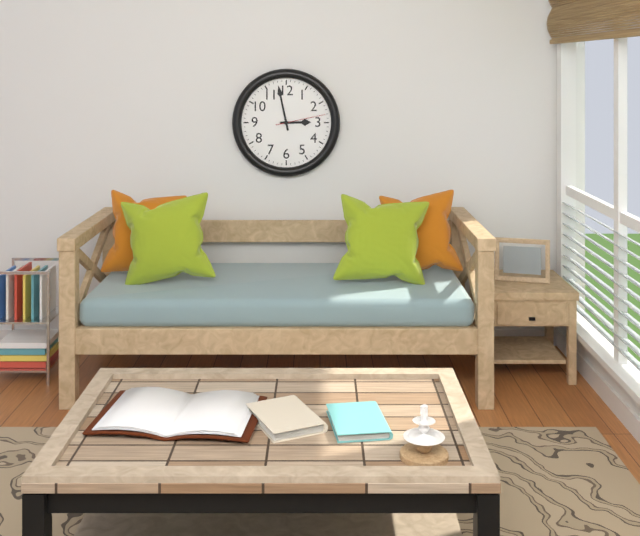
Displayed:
2,58,13
